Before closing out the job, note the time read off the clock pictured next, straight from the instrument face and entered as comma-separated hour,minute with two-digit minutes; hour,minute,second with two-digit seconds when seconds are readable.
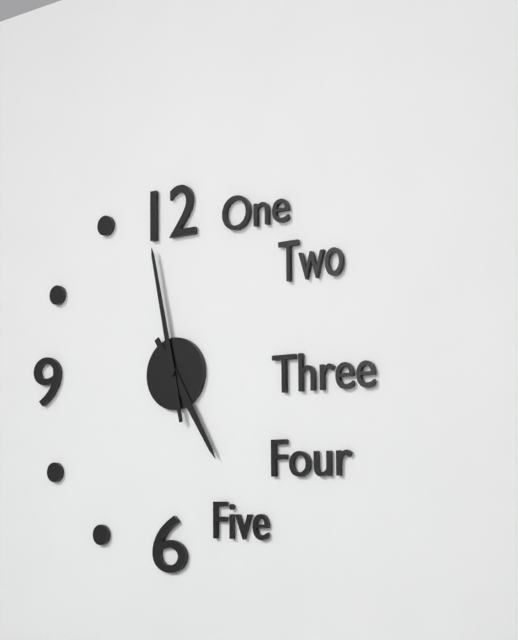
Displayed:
4,58
